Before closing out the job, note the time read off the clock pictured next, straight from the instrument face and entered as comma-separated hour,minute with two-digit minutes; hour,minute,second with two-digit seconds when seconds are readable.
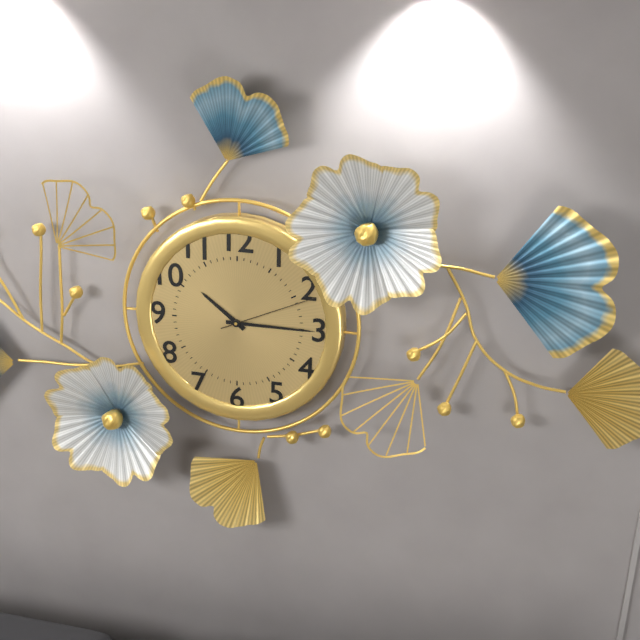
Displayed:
10,15,11
